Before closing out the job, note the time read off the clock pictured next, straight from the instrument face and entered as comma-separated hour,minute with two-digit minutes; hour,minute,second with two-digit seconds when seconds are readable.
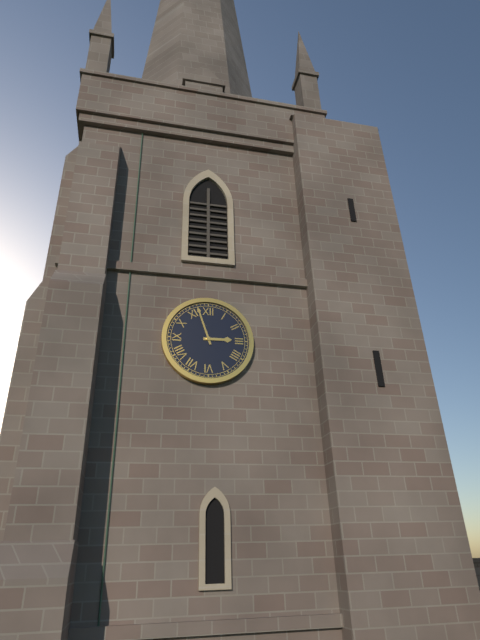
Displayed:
2,57
